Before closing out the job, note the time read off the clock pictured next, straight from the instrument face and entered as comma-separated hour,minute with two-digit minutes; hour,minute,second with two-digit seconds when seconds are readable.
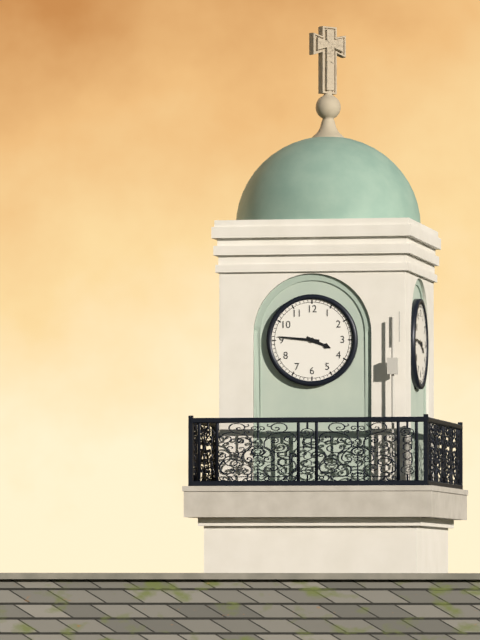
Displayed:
3,46
